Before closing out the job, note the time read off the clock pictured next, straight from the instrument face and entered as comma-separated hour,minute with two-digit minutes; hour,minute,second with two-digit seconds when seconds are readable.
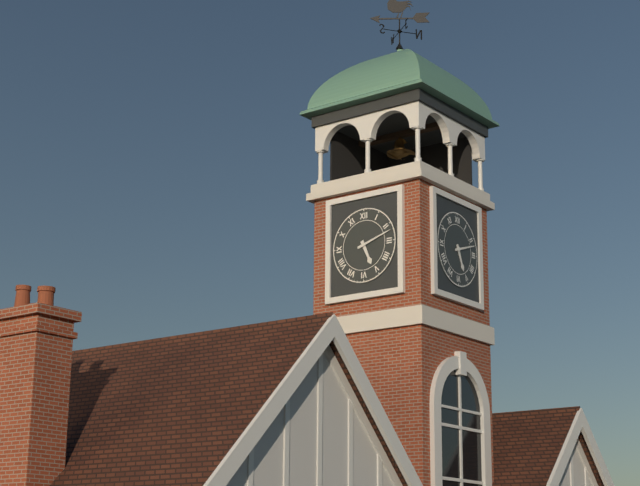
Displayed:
5,12
